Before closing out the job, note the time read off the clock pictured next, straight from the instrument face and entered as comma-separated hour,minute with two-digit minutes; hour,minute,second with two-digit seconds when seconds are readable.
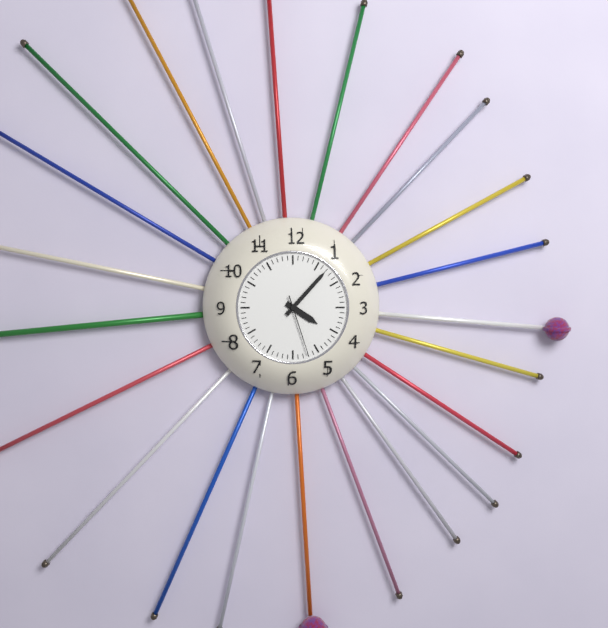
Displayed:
4,07,27
